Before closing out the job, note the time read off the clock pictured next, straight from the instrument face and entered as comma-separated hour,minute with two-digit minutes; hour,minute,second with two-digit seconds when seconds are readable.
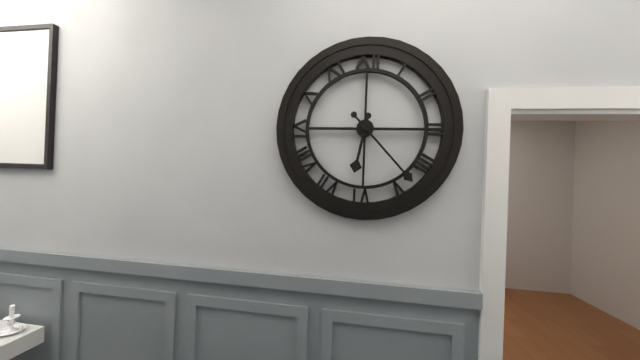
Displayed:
6,23
